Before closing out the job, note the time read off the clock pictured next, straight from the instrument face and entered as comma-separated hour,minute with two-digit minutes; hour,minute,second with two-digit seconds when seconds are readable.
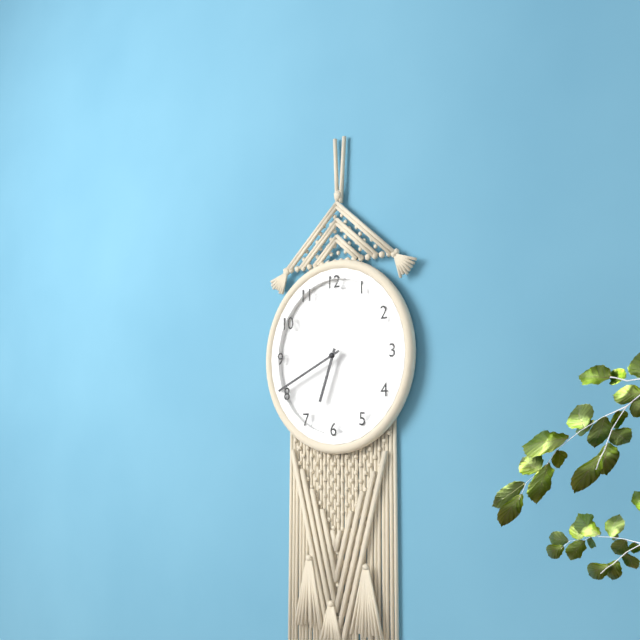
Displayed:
6,41
